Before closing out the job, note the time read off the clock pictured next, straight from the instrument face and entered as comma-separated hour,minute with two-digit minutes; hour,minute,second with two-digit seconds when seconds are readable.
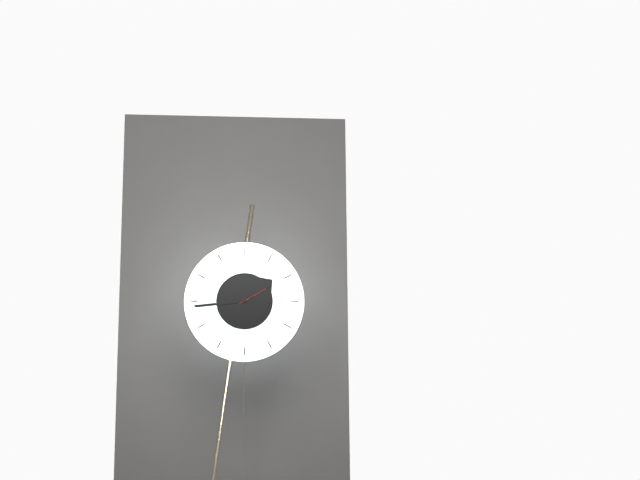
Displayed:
1,44,10
